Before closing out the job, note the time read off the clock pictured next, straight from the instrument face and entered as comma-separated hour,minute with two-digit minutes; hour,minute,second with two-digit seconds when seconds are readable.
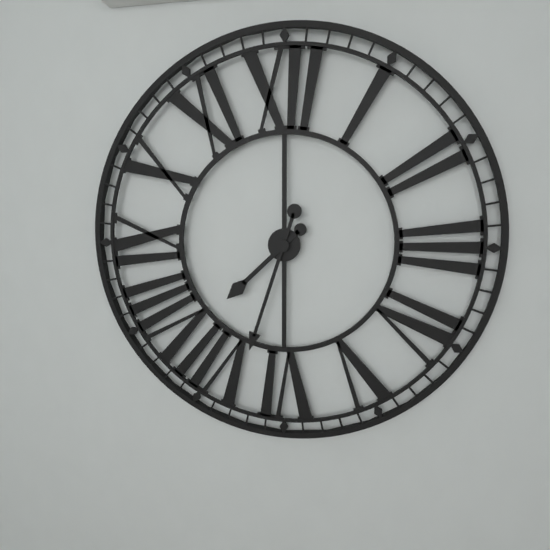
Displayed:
7,33
